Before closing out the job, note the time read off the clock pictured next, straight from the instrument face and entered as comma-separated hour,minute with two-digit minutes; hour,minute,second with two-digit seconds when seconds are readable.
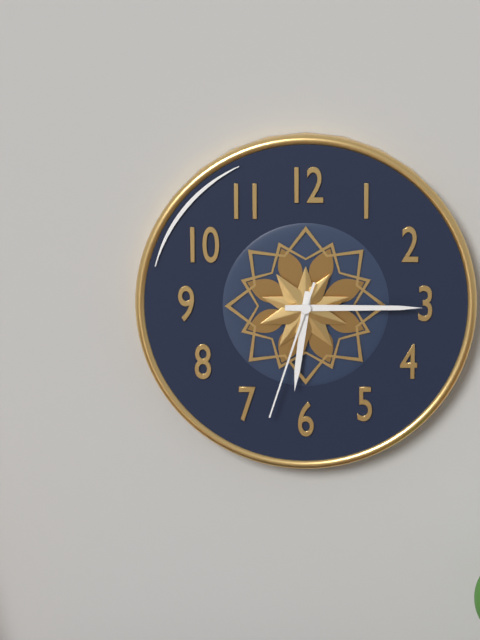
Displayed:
6,15,33
